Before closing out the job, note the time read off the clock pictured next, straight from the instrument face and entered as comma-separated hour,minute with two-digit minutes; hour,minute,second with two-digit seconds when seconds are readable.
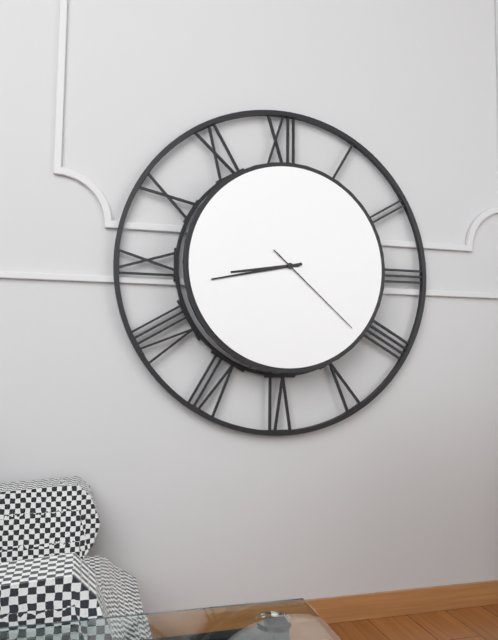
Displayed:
8,43,22
